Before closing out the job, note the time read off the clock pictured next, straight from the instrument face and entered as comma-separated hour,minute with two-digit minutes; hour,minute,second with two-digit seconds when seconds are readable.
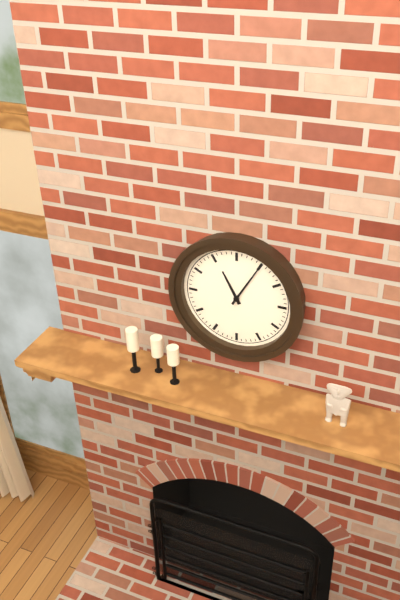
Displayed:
11,05
